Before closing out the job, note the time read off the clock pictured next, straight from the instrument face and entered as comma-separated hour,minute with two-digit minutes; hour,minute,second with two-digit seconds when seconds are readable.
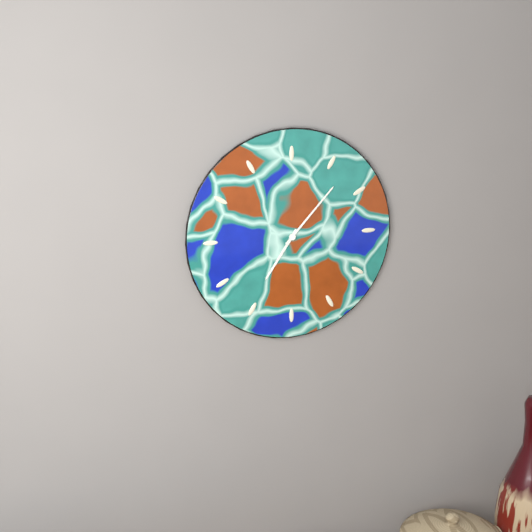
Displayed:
7,07
